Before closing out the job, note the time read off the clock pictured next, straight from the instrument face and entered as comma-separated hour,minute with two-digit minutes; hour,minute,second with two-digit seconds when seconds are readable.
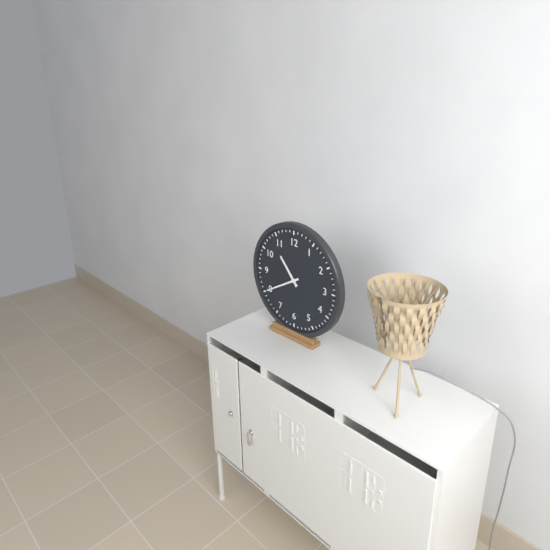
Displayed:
10,40
